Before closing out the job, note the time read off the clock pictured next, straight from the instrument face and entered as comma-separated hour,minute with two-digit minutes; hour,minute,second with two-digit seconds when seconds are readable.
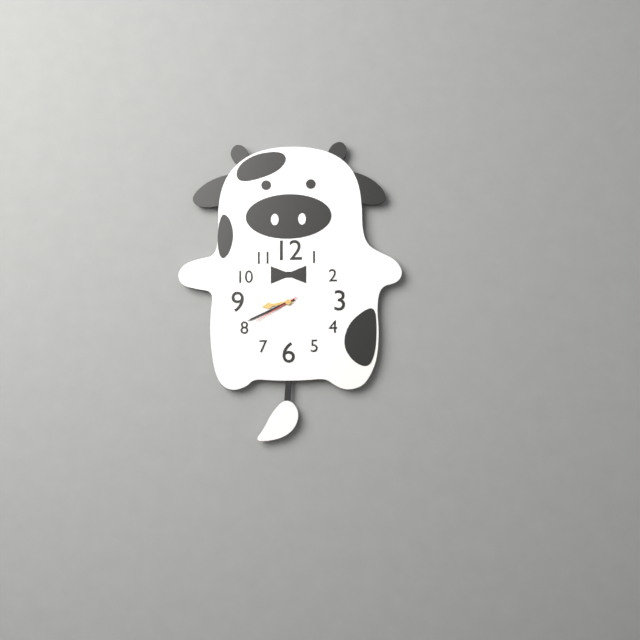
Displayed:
8,41
